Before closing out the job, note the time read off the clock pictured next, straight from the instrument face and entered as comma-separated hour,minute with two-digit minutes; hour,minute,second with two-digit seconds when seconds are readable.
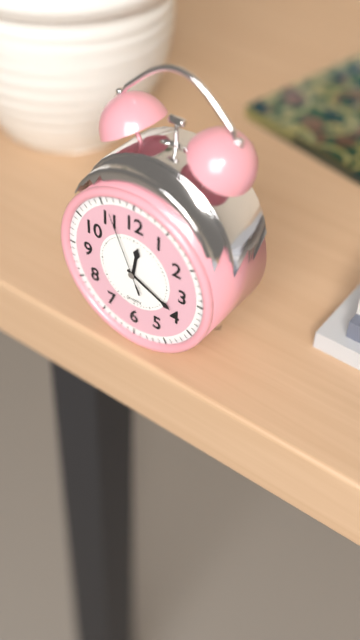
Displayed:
12,19,56
